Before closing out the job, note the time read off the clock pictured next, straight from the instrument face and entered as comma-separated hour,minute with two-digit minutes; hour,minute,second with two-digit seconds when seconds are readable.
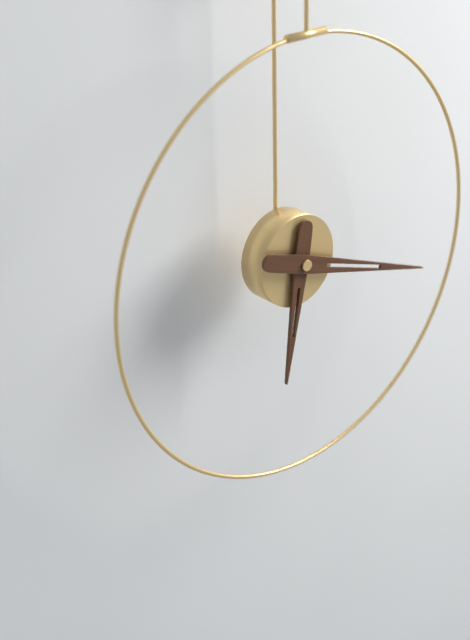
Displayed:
6,18
